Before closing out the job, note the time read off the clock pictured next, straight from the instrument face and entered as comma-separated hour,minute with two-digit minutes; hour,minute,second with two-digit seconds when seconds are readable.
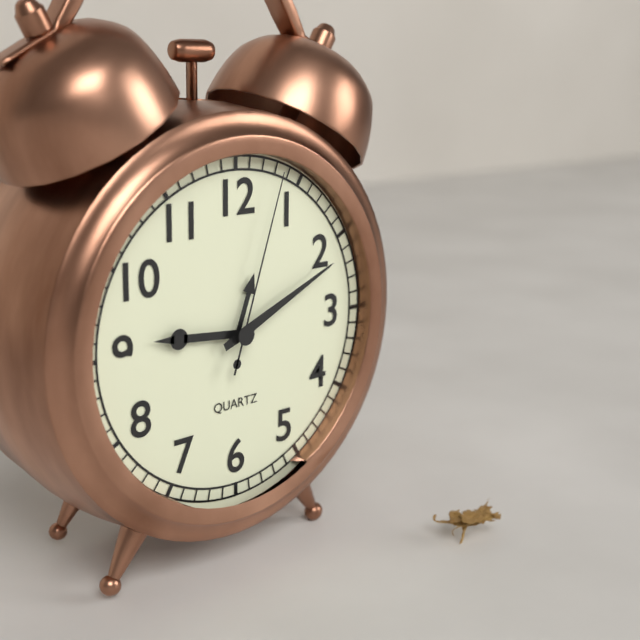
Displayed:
9,11,03
